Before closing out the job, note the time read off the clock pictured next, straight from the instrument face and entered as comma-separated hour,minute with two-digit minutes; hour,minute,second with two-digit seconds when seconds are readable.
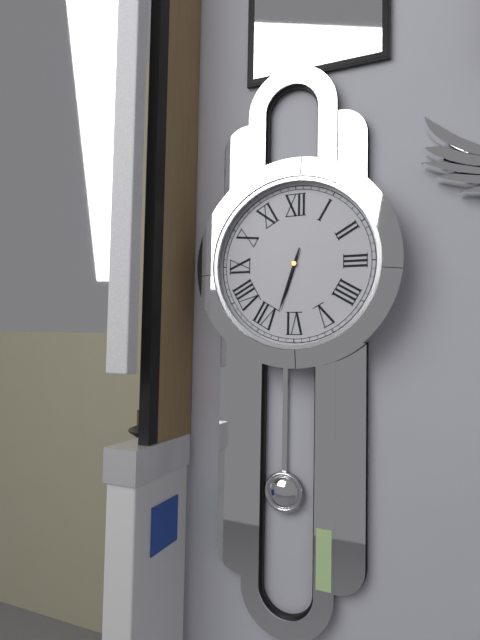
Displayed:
6,33
